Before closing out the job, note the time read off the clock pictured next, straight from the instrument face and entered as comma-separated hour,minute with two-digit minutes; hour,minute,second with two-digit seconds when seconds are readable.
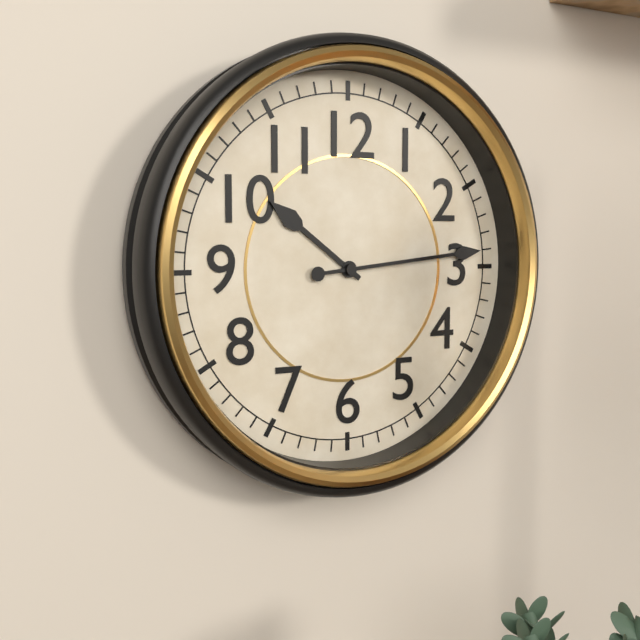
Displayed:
10,14
